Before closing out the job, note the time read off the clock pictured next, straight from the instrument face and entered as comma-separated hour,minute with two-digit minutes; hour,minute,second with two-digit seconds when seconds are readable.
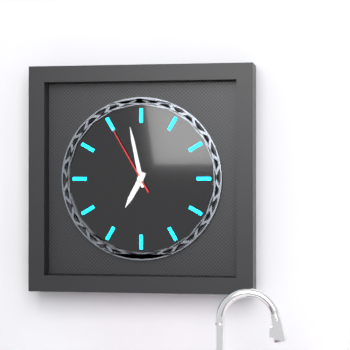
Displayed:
6,58,55
